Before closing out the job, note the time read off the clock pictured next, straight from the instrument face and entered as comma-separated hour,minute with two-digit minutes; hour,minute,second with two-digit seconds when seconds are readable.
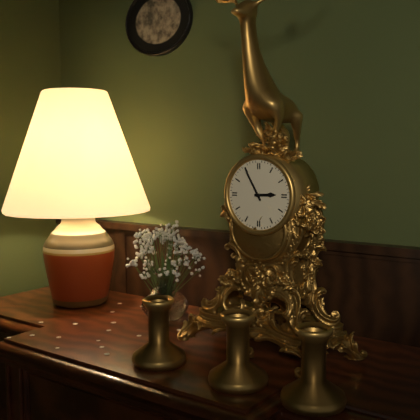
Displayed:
2,55
